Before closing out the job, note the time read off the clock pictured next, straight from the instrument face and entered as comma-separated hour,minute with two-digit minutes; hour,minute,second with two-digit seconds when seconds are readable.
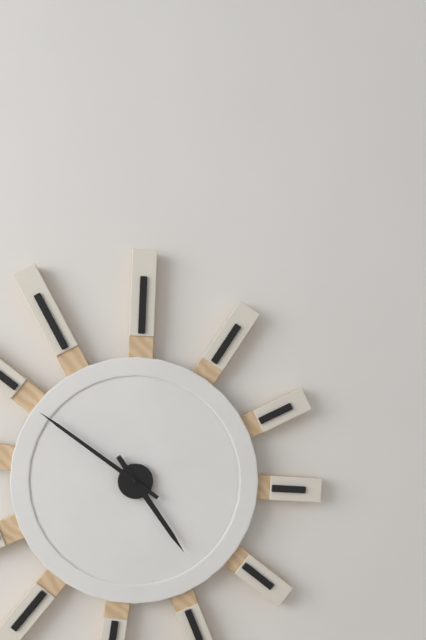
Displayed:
4,51
